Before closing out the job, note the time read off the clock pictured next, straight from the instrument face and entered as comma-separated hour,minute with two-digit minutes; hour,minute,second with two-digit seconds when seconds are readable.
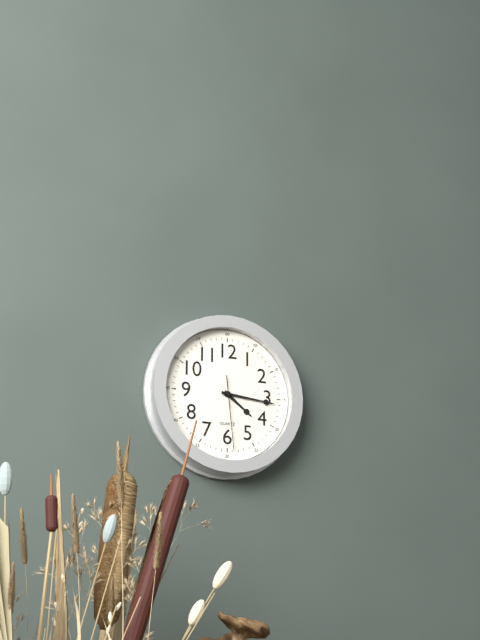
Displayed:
4,16,29
